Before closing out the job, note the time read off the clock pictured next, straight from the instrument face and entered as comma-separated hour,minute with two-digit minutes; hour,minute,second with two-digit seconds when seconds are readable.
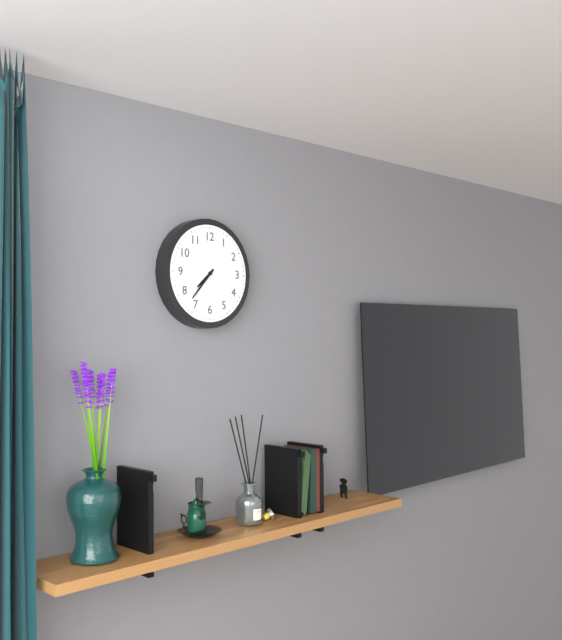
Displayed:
7,37
